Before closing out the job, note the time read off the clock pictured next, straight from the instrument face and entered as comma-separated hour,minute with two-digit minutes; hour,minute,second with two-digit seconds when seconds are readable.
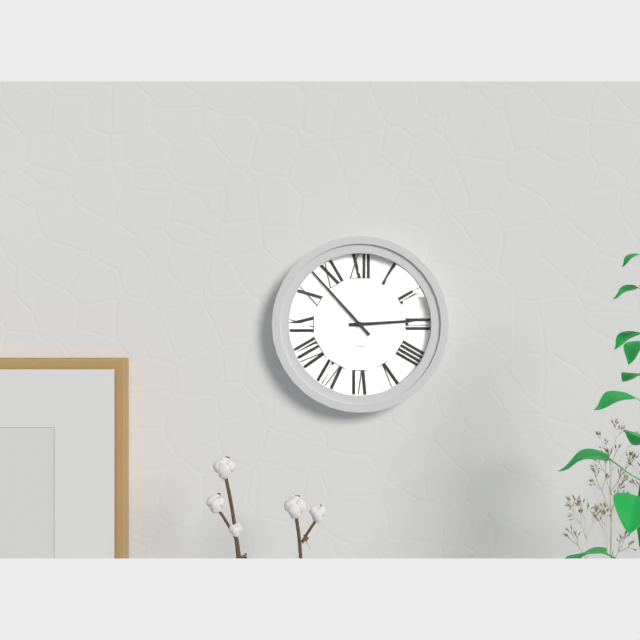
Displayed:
2,53
